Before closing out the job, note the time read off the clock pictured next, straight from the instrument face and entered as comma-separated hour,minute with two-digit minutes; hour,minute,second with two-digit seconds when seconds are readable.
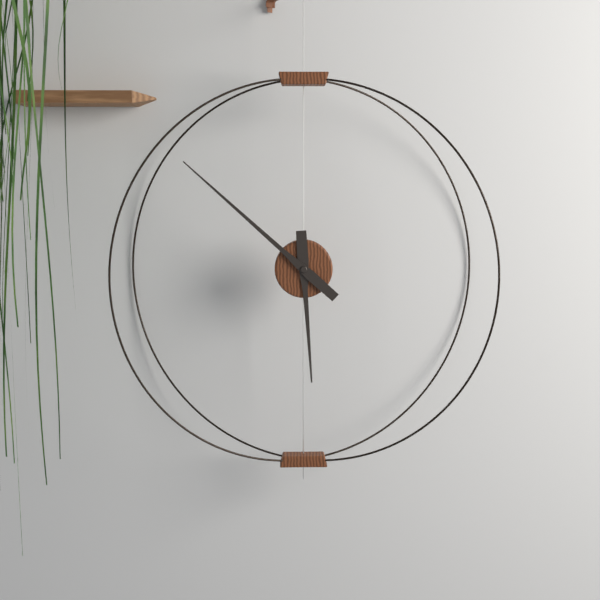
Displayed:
5,52
